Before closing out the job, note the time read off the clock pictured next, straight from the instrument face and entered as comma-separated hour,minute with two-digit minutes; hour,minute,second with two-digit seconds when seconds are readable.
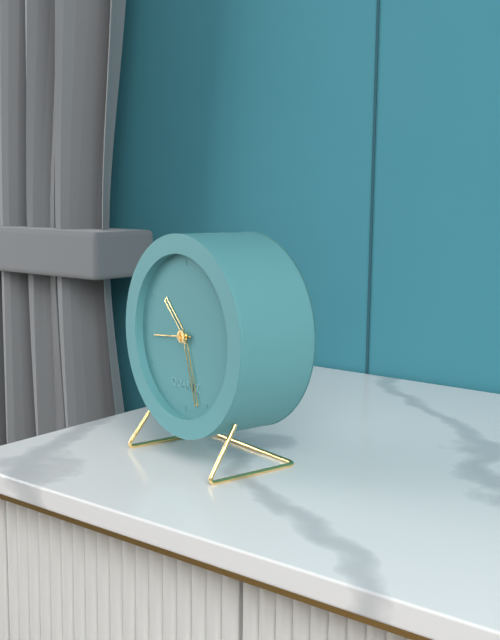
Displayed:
10,27
